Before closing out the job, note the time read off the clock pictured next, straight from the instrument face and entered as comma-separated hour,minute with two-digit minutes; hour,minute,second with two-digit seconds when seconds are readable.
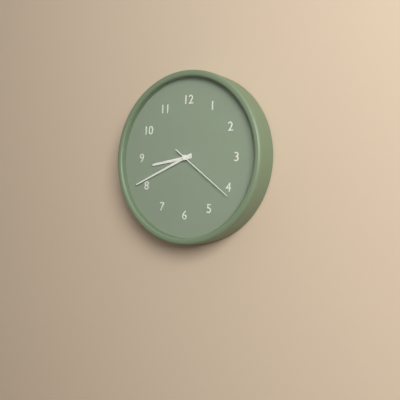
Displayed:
8,41,21
